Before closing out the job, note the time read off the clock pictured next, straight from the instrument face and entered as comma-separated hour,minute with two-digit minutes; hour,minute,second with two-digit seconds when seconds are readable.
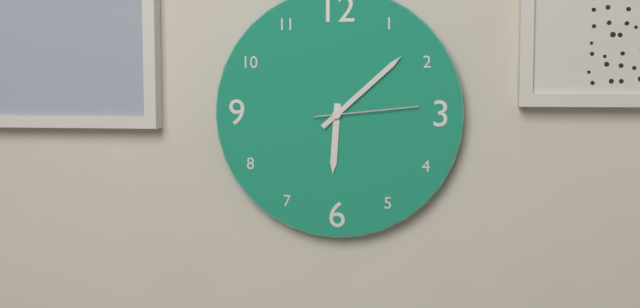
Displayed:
6,08,14
